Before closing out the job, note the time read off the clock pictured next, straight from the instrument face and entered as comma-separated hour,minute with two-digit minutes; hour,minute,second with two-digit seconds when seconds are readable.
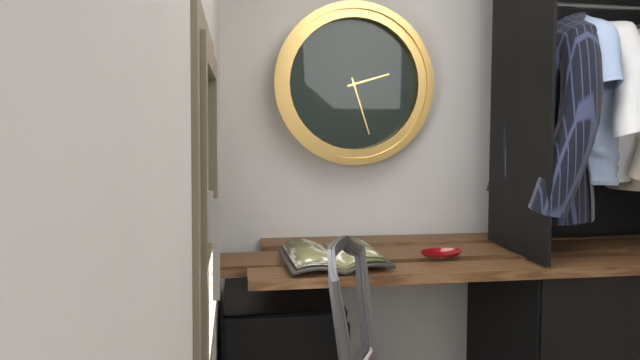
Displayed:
2,27
